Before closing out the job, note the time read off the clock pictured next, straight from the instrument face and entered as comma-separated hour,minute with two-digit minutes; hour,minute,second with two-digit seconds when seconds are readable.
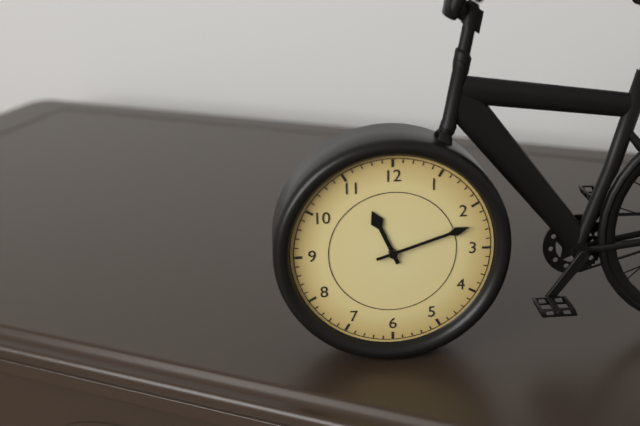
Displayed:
11,12
